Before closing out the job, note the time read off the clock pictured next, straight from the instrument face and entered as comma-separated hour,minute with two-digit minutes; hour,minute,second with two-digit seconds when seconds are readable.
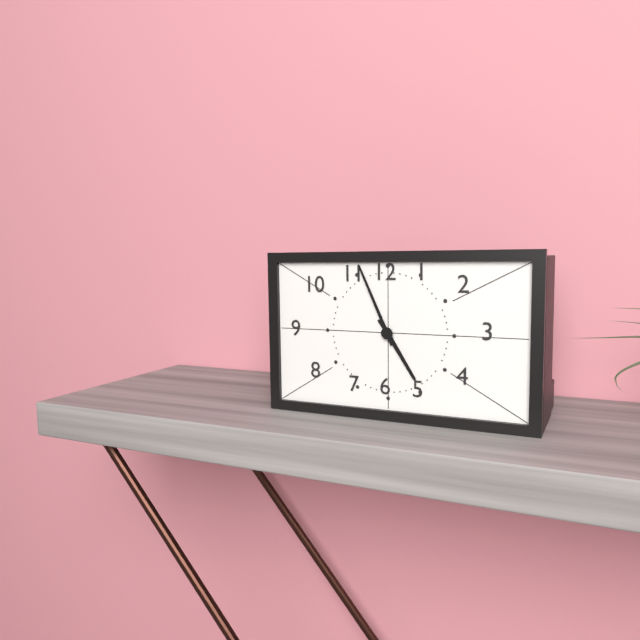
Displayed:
4,56
